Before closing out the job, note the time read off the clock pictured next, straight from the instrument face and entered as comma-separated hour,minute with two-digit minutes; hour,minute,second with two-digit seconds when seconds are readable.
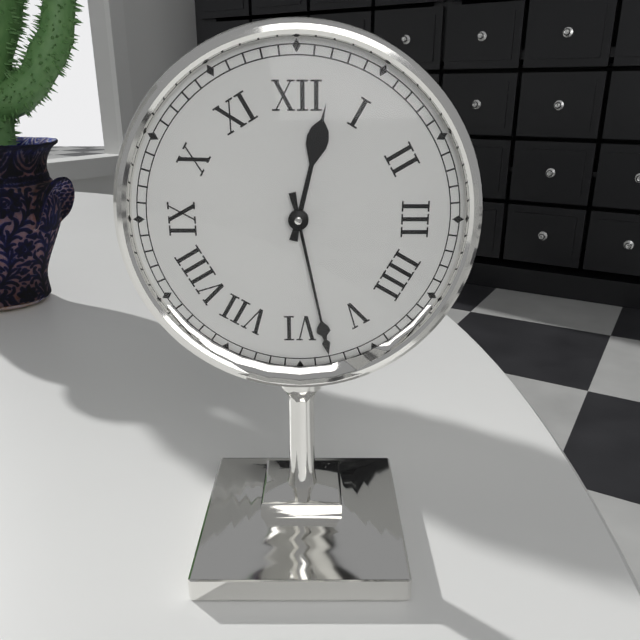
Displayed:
12,28
